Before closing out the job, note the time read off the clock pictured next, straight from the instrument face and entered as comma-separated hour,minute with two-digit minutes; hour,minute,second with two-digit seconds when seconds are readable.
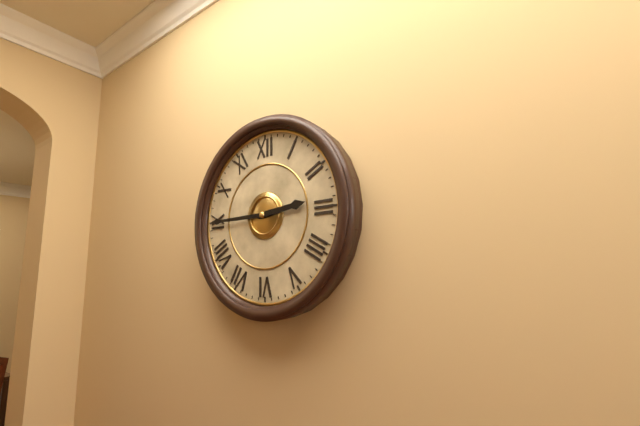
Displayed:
2,45
